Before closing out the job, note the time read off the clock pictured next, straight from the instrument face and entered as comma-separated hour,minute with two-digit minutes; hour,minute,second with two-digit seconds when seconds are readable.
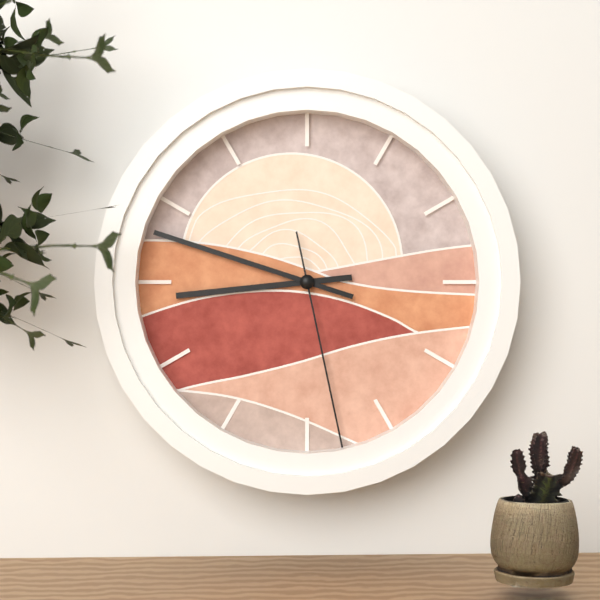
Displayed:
8,48,28
